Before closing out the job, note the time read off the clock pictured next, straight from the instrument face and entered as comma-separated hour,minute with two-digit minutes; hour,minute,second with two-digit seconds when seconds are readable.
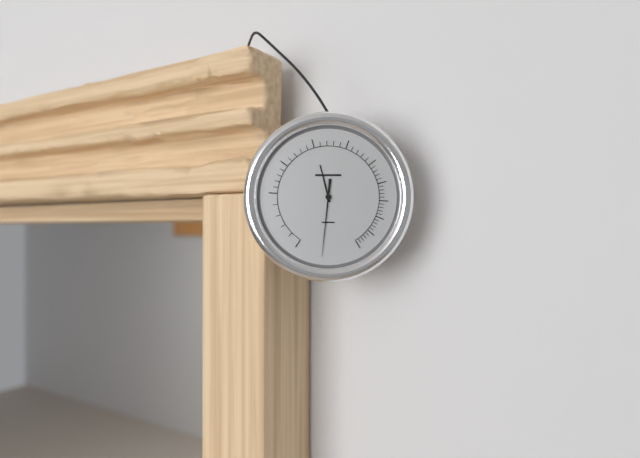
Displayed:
11,31
